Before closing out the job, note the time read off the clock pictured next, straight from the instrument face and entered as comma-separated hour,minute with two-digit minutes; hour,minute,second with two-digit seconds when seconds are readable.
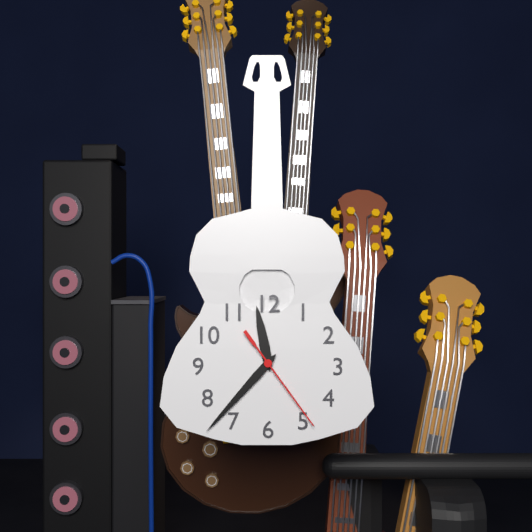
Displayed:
11,37,24
